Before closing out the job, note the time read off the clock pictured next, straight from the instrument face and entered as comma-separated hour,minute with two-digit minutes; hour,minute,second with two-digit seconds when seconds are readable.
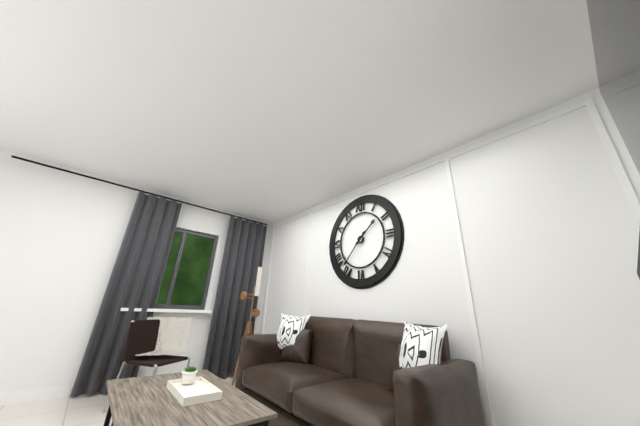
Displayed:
1,37
